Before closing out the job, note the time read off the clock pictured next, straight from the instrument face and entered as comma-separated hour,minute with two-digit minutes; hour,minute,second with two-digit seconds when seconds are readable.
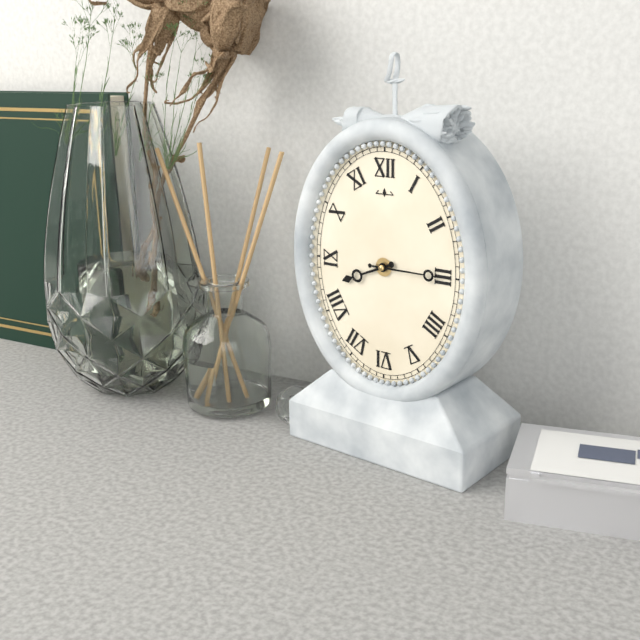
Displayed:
8,15
